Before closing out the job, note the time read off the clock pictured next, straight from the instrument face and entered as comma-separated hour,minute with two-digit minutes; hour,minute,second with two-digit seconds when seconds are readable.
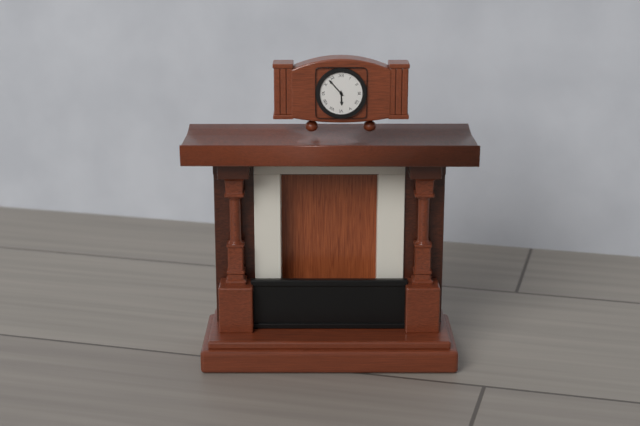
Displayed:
5,53
